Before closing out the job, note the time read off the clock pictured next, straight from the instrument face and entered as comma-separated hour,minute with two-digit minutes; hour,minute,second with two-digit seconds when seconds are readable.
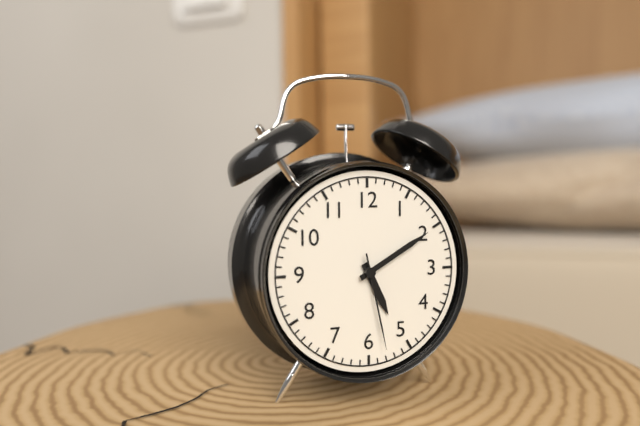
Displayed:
5,10,28
